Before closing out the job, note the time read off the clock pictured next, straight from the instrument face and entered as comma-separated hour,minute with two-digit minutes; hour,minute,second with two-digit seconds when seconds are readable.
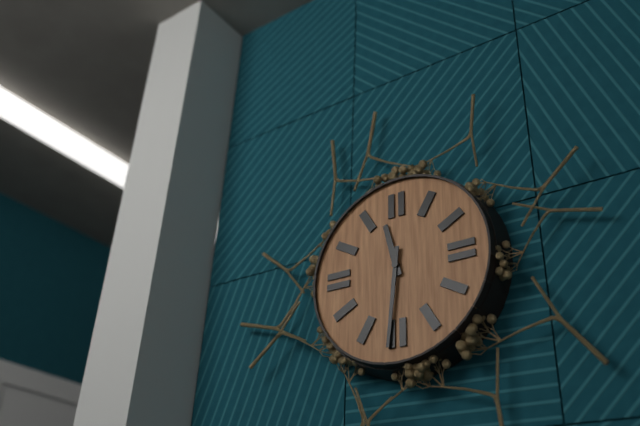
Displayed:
11,31
